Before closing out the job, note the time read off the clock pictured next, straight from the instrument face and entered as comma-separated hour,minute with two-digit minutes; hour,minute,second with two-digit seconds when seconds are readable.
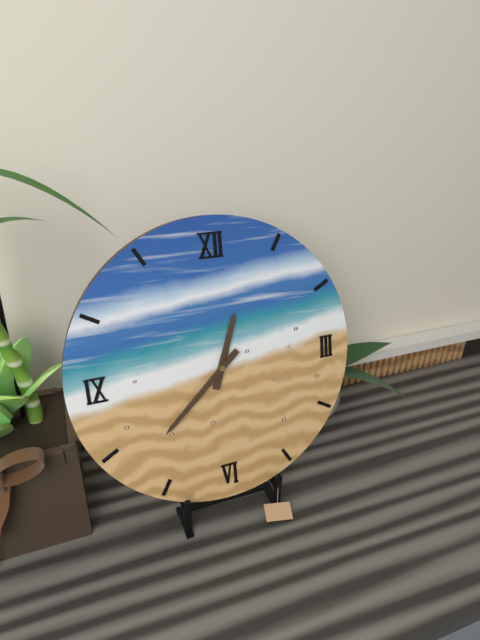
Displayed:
12,38
